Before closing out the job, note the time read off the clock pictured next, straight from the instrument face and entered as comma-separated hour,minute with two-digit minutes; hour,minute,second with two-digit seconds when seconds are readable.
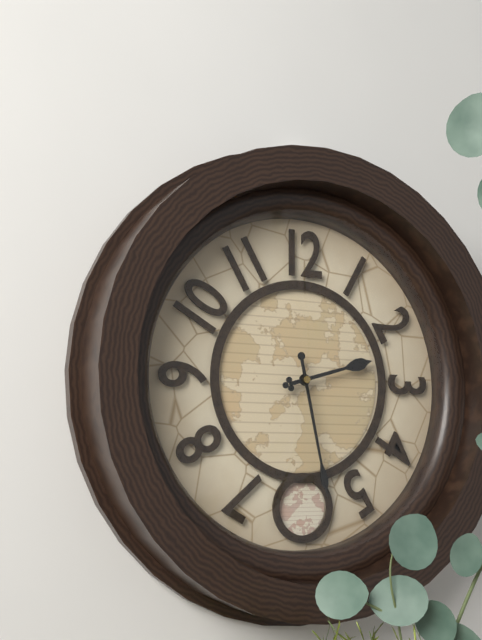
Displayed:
2,28
